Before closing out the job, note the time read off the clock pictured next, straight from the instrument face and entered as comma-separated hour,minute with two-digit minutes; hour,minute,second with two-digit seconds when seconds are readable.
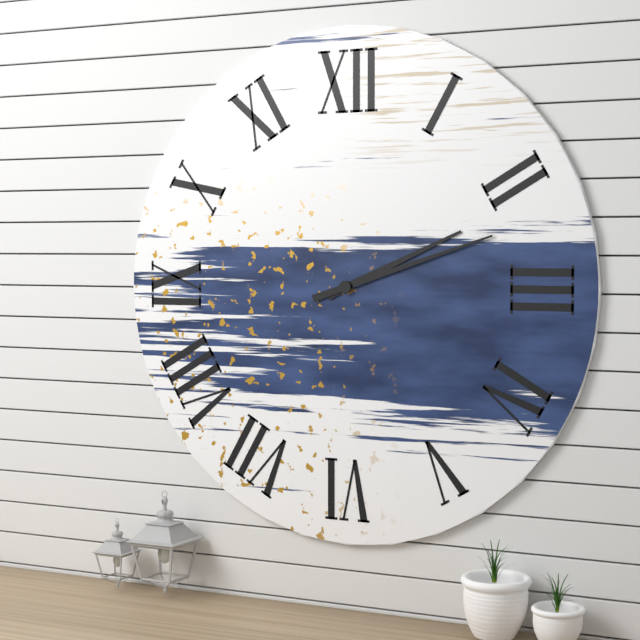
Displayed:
2,12
